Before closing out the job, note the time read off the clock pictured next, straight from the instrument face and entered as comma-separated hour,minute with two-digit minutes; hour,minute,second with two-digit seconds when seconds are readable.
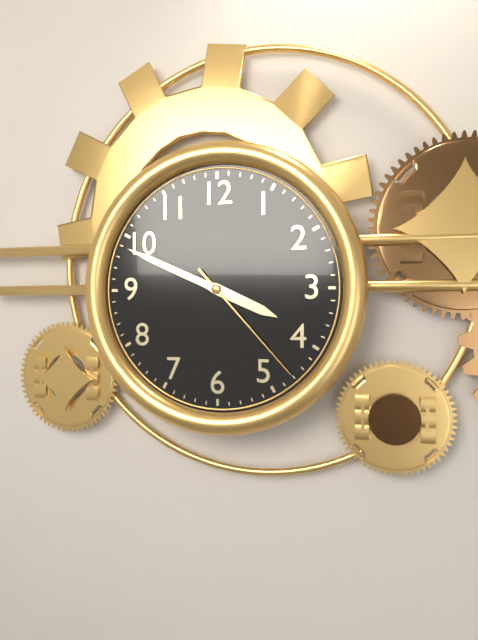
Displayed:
3,49,23
